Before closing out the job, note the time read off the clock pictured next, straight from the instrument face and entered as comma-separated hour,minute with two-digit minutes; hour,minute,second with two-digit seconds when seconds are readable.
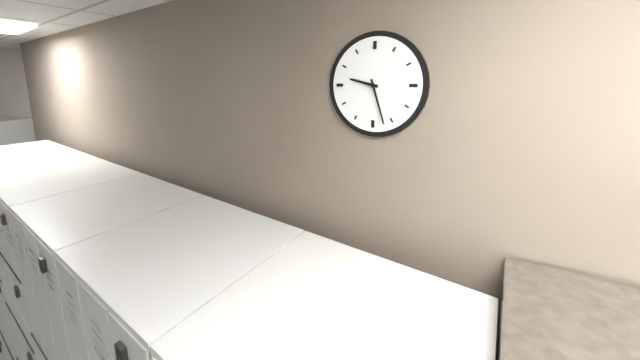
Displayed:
9,27
